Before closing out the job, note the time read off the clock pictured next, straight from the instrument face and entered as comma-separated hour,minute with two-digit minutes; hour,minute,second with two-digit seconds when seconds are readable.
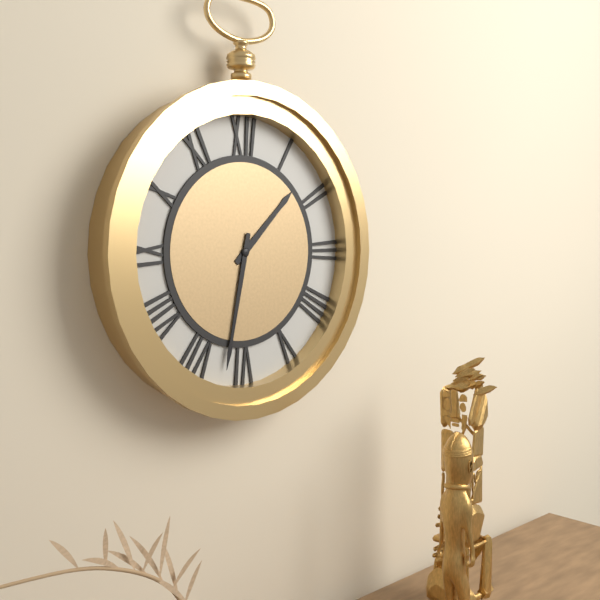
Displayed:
1,32
